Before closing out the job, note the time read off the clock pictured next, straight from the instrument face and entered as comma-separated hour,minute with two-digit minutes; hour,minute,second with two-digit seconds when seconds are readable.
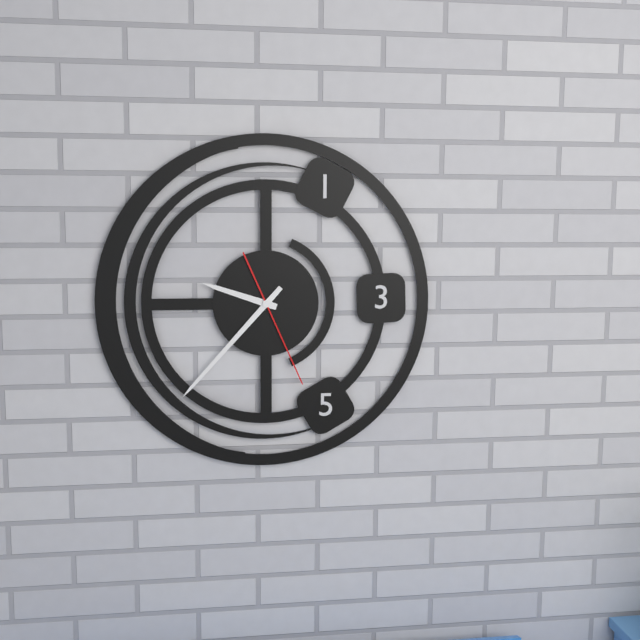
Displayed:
9,37,26
